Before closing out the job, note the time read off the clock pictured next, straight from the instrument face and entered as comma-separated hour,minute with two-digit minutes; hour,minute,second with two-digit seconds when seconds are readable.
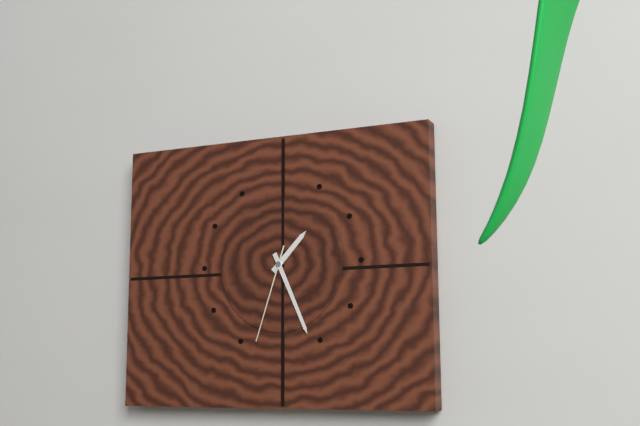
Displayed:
1,26,33
